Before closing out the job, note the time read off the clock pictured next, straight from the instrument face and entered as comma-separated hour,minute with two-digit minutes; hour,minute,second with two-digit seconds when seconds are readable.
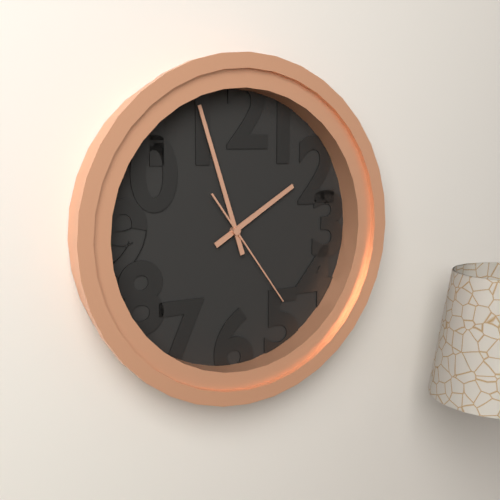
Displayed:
1,57,24
